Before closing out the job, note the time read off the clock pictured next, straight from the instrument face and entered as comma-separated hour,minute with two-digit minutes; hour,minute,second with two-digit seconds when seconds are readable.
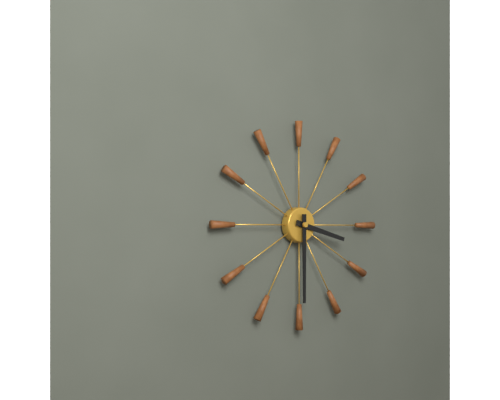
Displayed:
3,30
